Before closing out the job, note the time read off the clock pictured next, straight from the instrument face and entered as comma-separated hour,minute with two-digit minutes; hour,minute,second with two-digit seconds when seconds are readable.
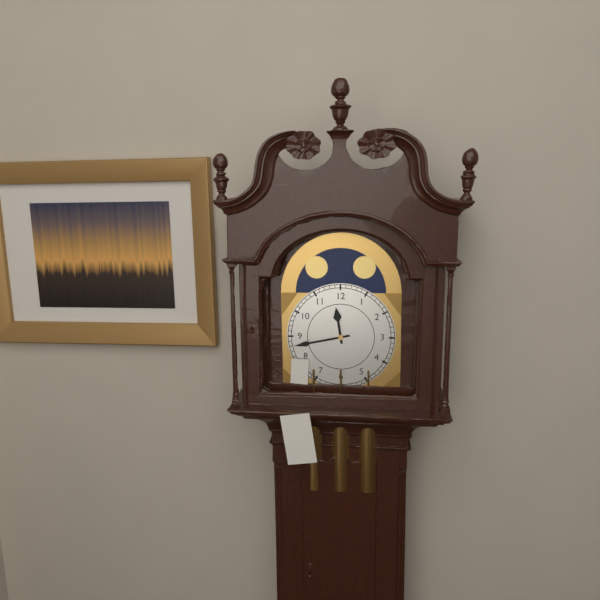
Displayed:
11,43
